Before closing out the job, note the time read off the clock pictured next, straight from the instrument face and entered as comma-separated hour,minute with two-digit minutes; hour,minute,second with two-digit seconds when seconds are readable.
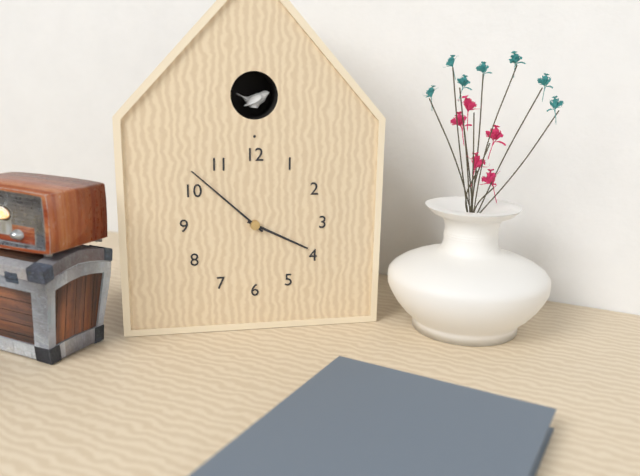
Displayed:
3,52
